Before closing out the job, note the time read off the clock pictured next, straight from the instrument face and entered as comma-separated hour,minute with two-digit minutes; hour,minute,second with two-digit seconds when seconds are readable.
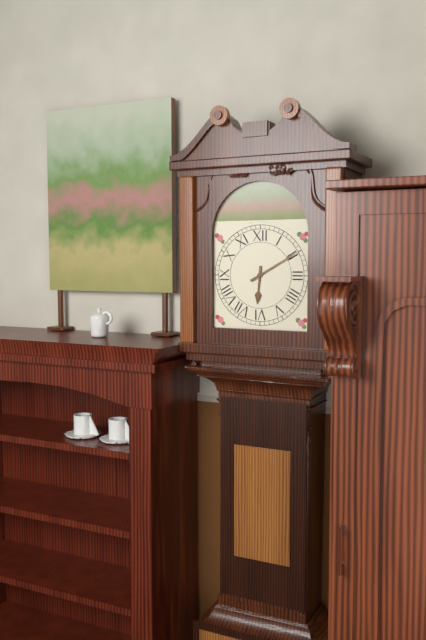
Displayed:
6,10
